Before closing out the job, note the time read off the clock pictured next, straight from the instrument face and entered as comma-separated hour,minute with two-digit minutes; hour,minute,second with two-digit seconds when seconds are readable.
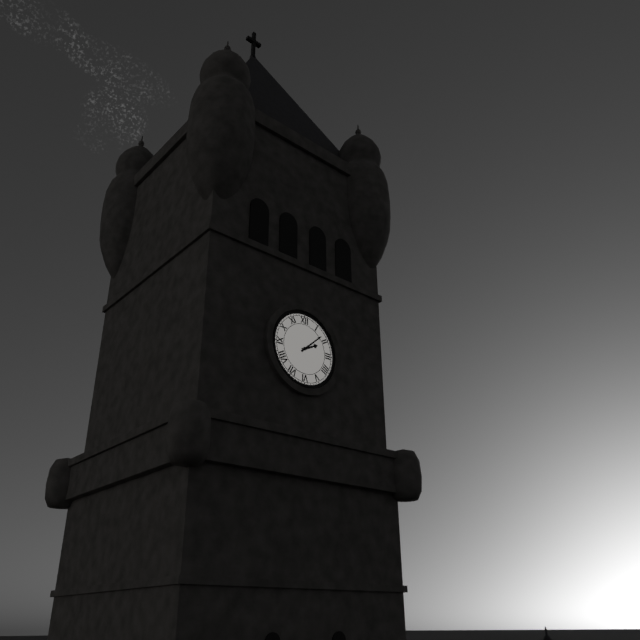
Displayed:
2,08
